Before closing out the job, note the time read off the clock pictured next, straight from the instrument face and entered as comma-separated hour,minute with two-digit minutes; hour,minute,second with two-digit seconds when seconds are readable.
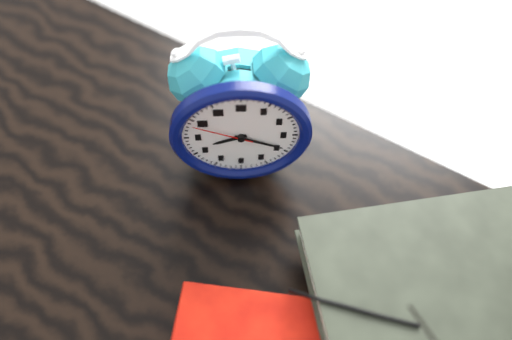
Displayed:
8,19,49
